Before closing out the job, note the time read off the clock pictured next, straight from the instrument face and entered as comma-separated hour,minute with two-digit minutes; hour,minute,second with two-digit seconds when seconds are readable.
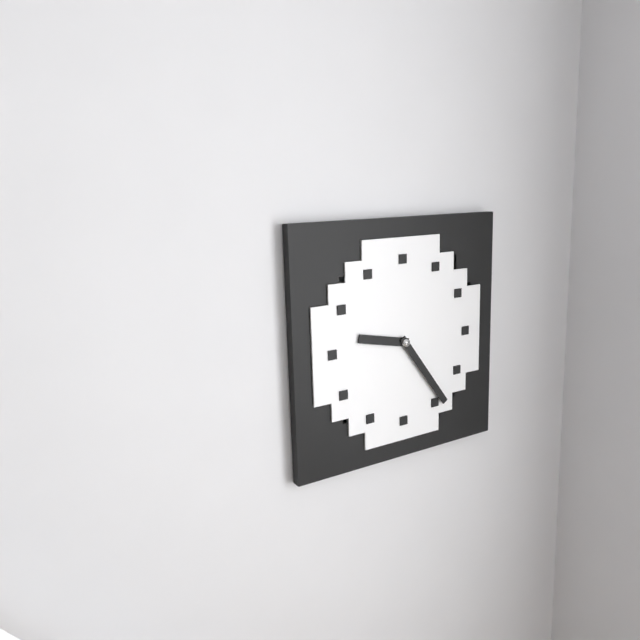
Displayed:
9,24
